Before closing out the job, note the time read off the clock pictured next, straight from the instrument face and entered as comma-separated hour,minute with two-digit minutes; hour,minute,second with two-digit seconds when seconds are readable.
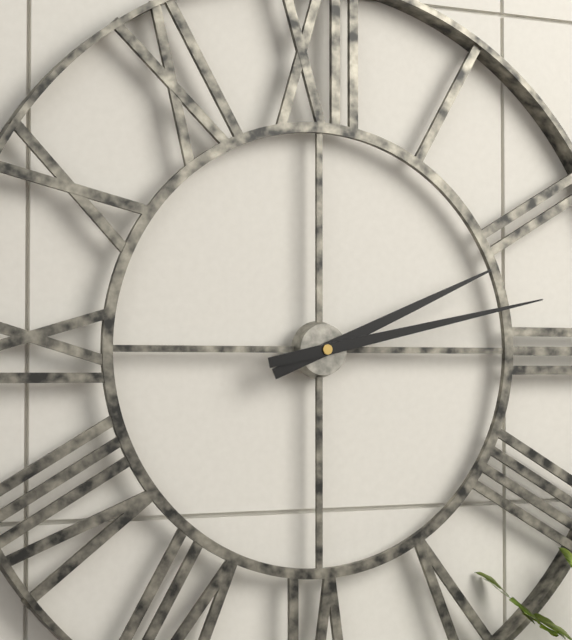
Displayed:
2,13
